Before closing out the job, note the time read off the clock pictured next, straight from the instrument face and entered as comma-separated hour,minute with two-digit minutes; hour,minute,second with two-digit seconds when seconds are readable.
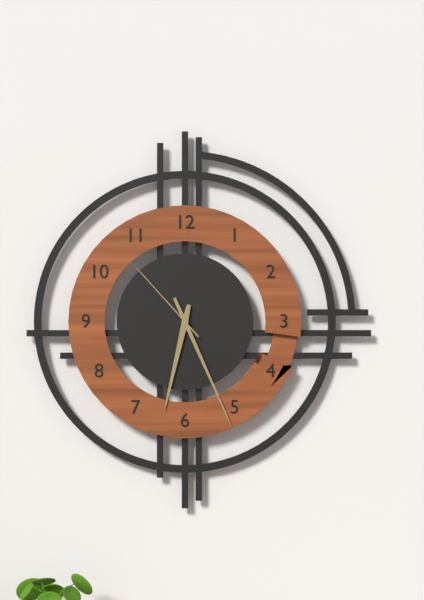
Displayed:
6,26,53
